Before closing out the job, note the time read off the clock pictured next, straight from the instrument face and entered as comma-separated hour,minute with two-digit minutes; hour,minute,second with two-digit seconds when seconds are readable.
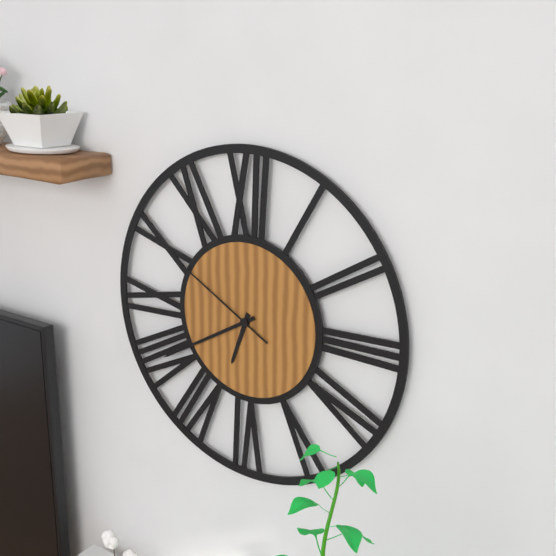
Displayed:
6,40,50
